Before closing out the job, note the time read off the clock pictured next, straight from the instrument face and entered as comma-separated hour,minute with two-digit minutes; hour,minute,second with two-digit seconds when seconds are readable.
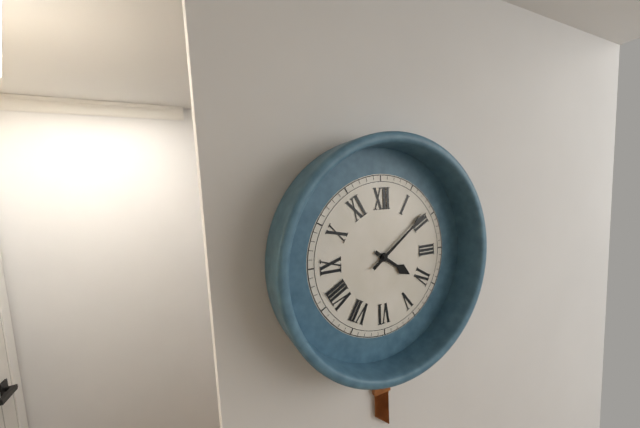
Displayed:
4,09
